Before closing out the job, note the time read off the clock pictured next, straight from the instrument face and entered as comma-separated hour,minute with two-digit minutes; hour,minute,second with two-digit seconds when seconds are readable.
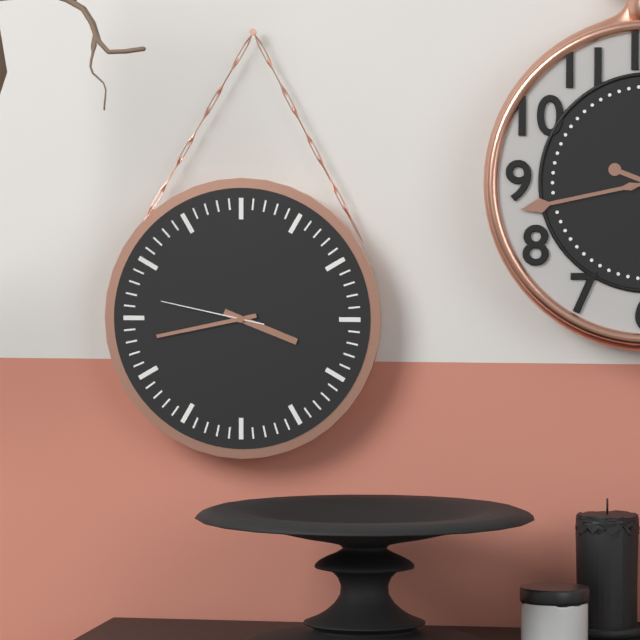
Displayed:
3,43,47
